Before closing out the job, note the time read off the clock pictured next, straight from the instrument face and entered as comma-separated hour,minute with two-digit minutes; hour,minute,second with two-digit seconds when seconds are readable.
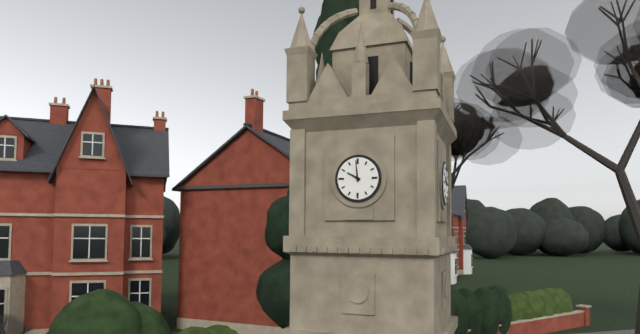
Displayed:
9,59
